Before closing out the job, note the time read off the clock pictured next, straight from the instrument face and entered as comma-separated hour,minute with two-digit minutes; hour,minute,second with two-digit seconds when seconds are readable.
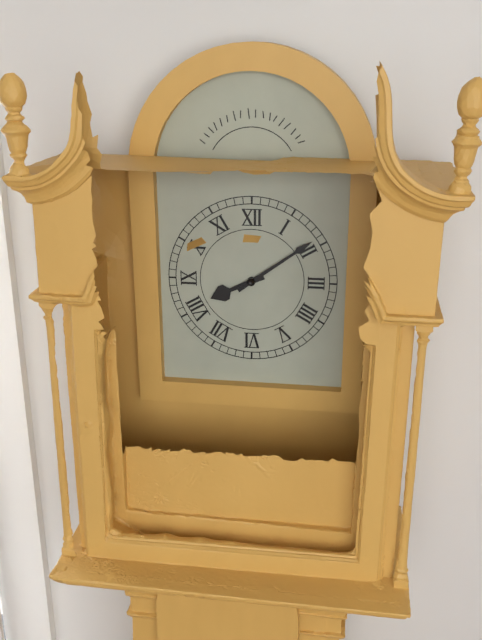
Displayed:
8,09
